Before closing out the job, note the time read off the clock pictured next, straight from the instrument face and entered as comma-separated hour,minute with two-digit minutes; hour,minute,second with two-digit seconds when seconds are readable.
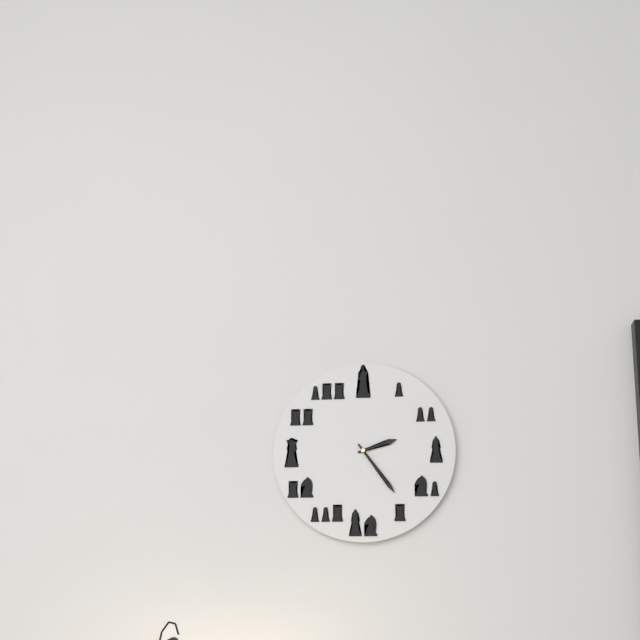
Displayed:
2,24
